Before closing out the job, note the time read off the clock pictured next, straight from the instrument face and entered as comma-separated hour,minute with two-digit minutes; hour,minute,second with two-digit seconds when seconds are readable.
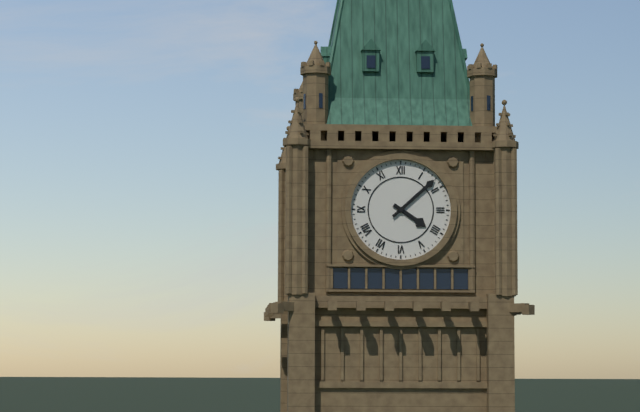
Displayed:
4,08
